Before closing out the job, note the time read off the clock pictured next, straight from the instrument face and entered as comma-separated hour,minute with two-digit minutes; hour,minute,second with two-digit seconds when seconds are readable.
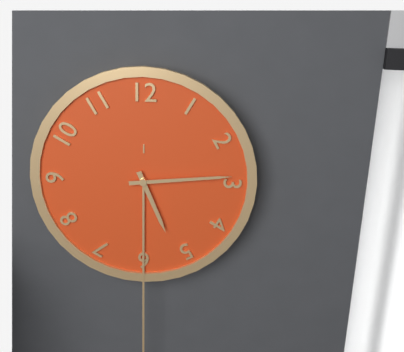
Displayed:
5,14
